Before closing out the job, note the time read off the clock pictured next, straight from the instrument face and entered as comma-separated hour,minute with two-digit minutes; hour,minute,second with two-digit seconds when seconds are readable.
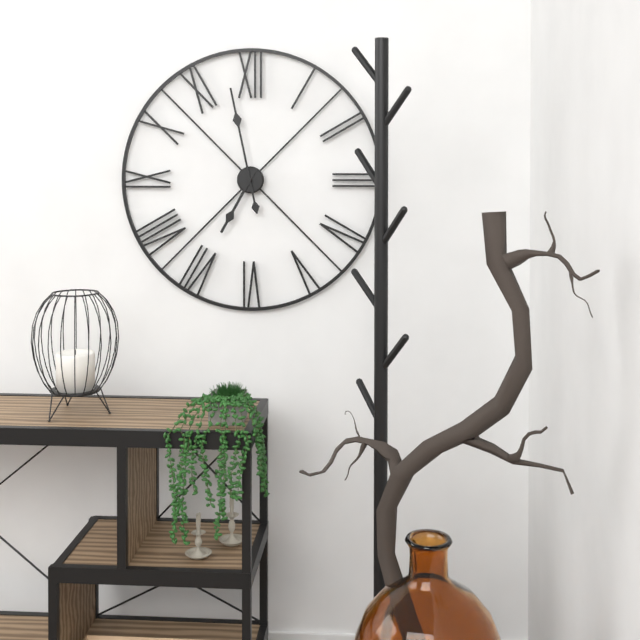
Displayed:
6,58
